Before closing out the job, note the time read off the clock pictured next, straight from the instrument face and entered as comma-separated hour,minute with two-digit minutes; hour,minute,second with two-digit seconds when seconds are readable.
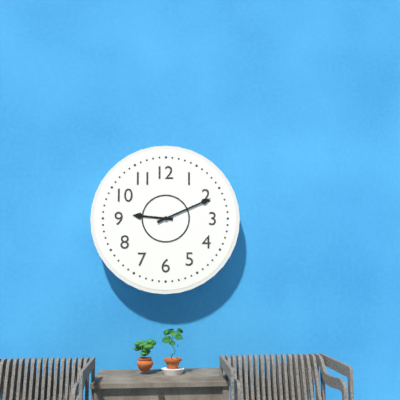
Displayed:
9,11
